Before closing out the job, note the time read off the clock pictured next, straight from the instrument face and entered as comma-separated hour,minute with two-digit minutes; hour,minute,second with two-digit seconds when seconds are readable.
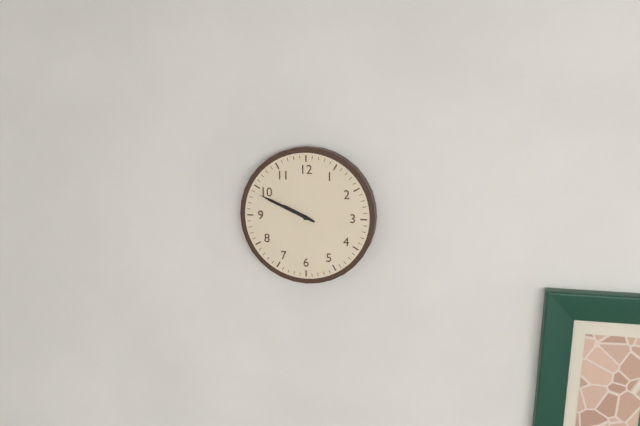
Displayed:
9,49
